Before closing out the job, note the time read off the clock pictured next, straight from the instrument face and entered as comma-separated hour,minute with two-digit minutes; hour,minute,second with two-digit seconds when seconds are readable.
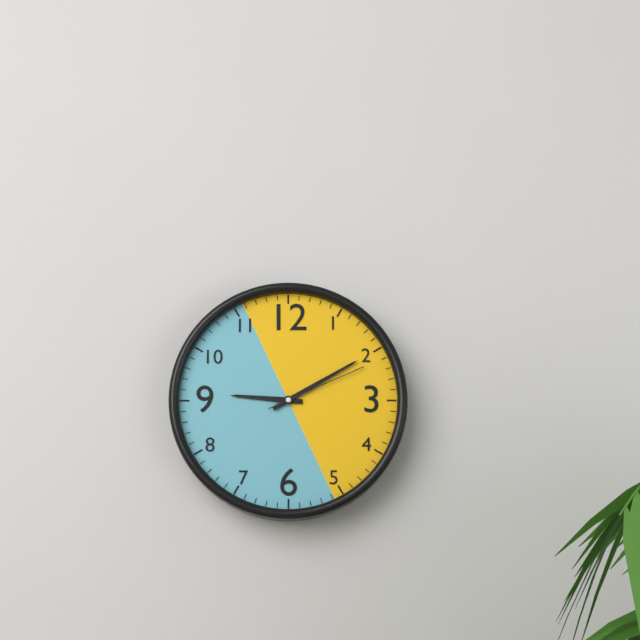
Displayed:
9,10,11
